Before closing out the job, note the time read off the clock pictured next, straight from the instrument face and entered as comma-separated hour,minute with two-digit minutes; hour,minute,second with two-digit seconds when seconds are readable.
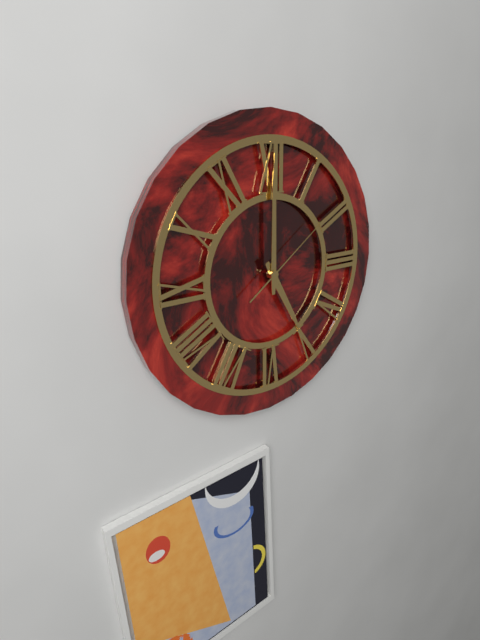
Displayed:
5,00,09
